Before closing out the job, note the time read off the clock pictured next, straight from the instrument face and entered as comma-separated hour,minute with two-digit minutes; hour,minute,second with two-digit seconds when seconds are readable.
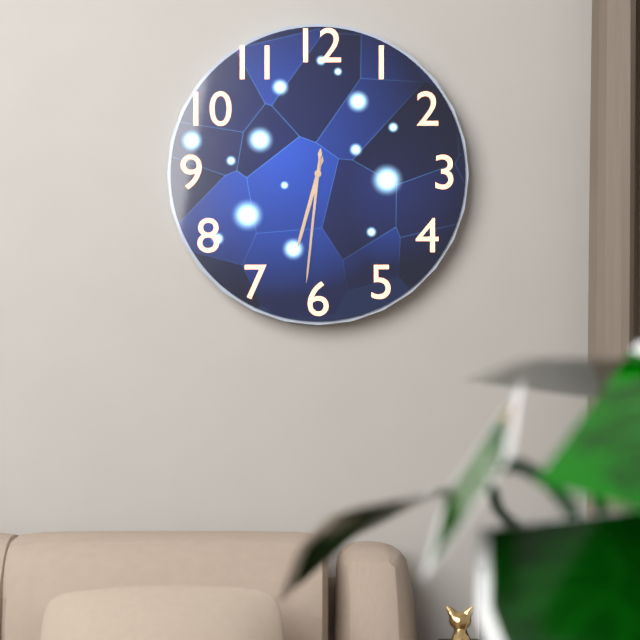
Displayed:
6,31
